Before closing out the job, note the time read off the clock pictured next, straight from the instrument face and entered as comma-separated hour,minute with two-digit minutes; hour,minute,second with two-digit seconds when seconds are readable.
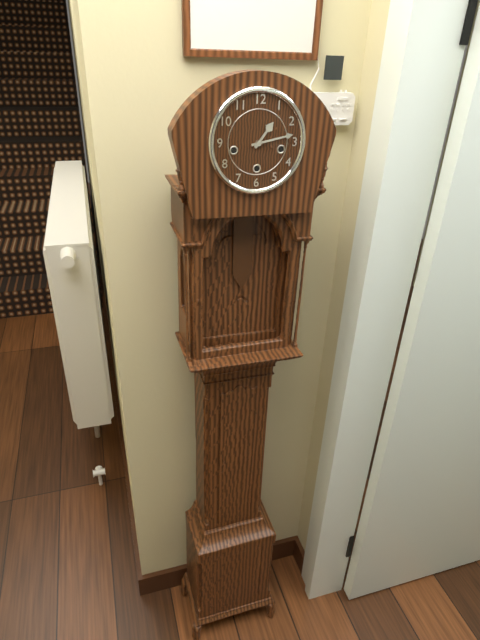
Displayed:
1,13
